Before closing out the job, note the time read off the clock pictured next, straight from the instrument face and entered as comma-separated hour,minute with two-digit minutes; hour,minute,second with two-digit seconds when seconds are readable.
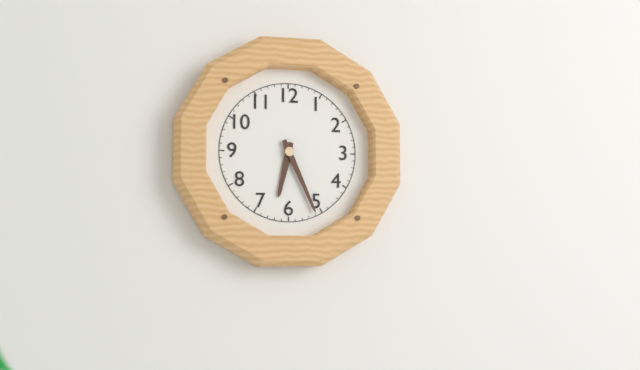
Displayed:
6,26
